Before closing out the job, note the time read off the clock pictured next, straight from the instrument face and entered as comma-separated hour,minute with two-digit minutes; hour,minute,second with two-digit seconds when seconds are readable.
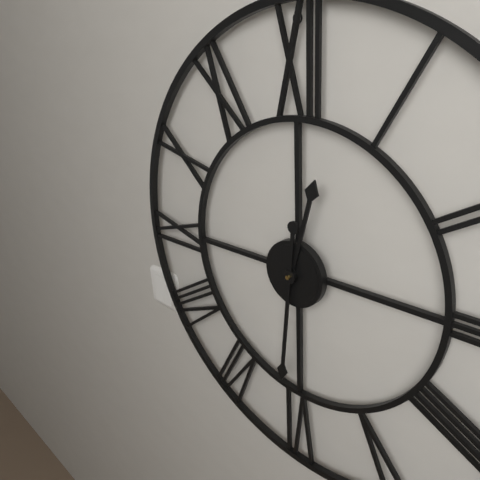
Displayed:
12,31
